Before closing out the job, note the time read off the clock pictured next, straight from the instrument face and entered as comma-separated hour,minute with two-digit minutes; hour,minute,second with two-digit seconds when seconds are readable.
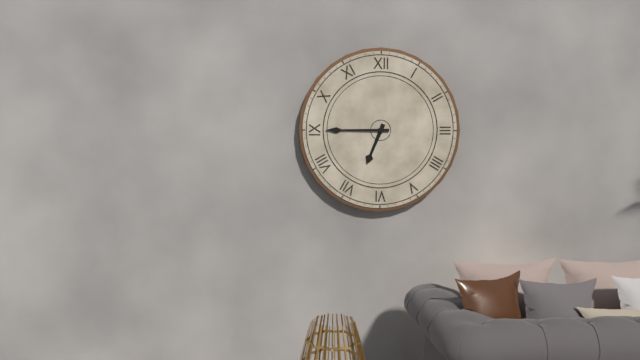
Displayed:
6,45
